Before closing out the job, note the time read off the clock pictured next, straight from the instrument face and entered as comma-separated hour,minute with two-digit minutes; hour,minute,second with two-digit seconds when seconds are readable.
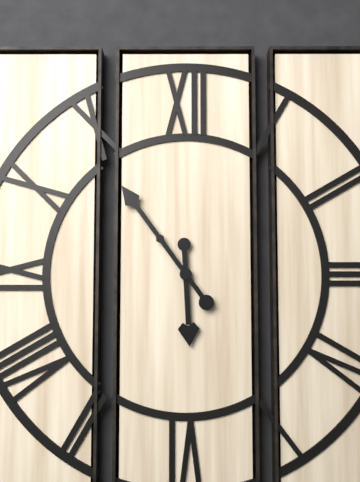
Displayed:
5,54
